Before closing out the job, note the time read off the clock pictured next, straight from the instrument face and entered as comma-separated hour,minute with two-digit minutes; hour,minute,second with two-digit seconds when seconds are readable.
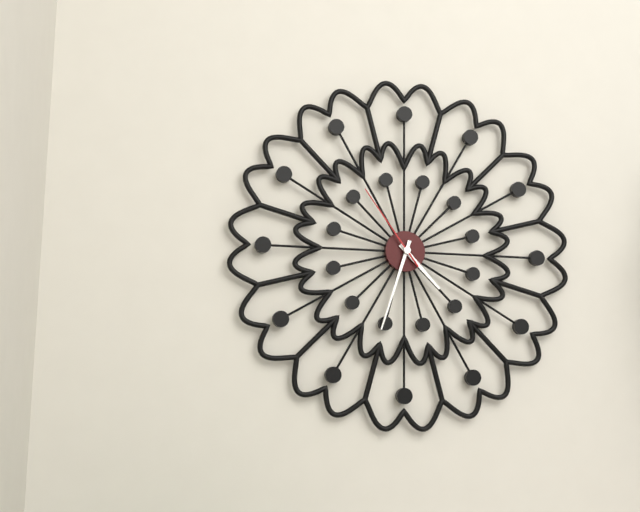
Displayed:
4,33,54
